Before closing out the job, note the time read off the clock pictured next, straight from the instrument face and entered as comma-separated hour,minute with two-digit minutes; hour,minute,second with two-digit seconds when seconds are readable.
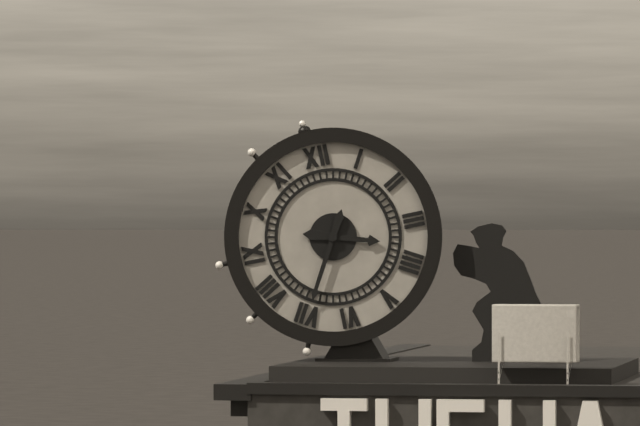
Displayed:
3,35
